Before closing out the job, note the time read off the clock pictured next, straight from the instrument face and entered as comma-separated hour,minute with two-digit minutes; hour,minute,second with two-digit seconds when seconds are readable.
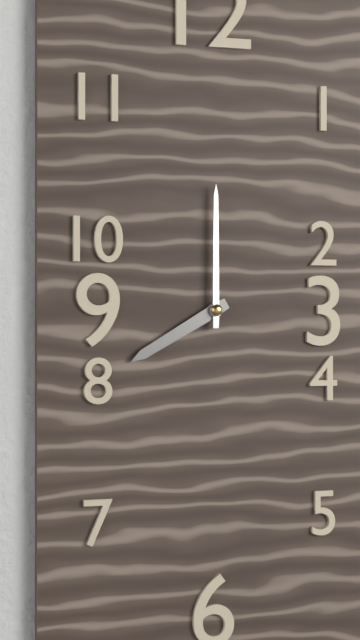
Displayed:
8,00
